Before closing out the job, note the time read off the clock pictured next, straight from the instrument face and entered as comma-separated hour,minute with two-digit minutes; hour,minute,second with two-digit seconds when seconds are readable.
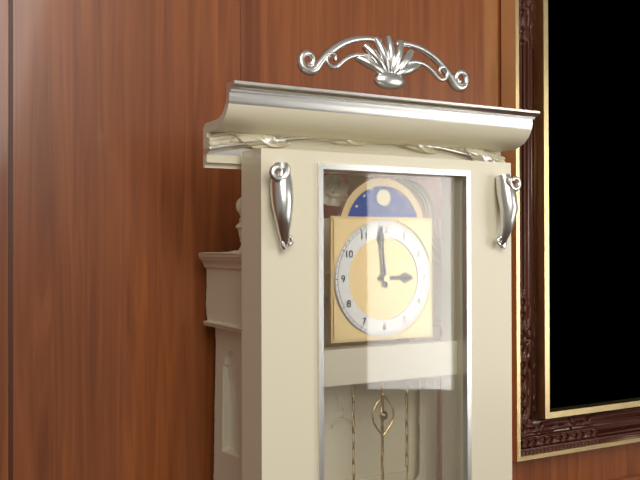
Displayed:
2,59
